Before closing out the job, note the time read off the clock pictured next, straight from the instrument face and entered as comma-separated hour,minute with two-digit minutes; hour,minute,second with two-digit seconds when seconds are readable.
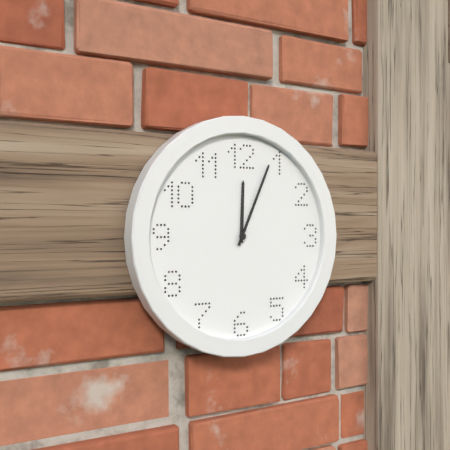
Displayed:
12,04
